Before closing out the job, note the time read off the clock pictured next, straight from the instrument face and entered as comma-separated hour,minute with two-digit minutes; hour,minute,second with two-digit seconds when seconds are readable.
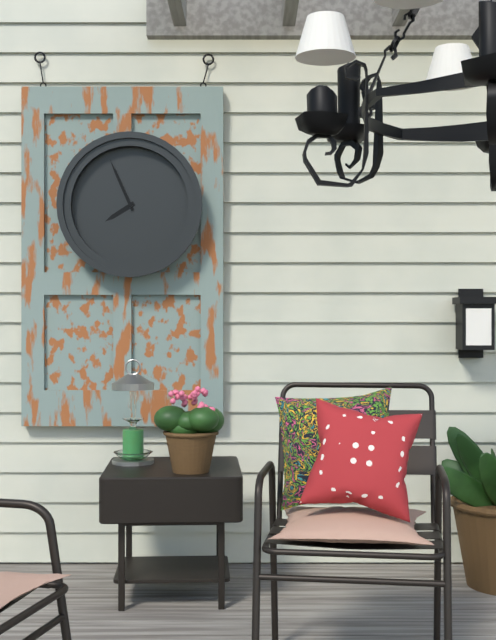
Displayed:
7,56
